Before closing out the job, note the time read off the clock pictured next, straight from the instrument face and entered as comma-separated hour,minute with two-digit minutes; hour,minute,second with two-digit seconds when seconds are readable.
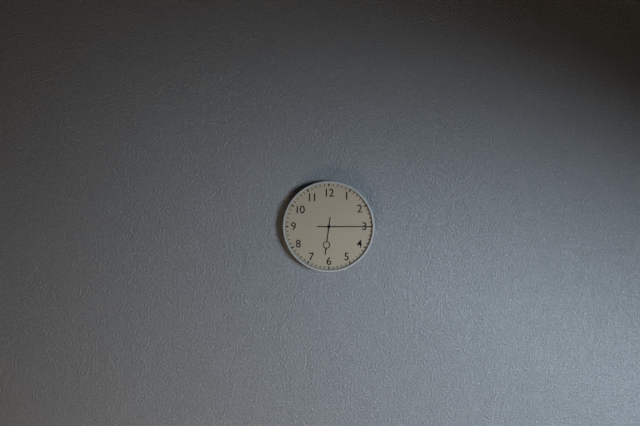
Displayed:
6,15
